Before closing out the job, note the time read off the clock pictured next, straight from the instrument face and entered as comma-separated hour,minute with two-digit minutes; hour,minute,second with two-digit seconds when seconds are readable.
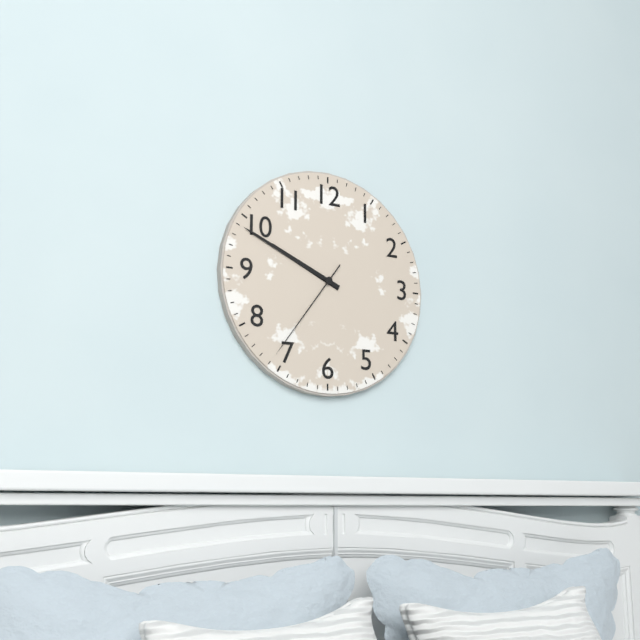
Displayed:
9,49,36
